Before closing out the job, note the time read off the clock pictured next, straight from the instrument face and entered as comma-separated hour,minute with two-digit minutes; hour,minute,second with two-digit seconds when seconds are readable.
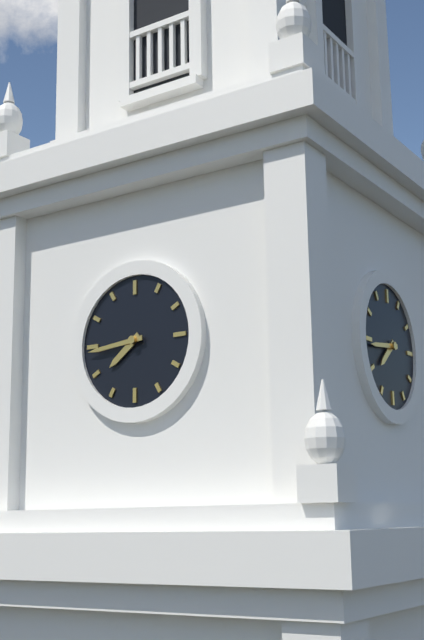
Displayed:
7,44
